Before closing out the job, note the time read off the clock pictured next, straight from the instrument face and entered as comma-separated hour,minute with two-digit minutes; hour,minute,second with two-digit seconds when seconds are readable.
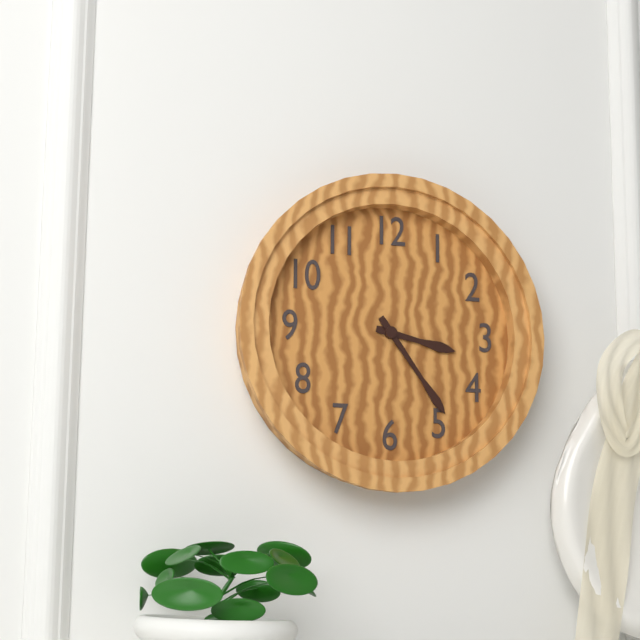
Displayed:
3,24
